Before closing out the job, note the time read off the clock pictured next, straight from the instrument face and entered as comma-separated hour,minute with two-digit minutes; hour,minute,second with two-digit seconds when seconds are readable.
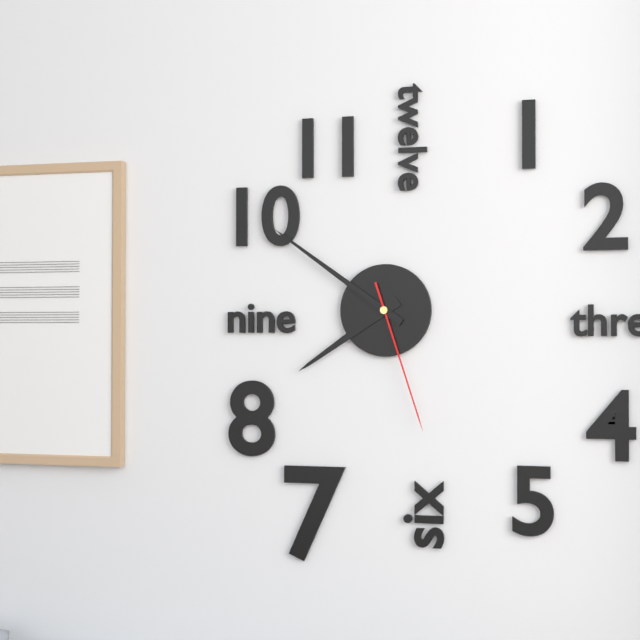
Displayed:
7,51,27
